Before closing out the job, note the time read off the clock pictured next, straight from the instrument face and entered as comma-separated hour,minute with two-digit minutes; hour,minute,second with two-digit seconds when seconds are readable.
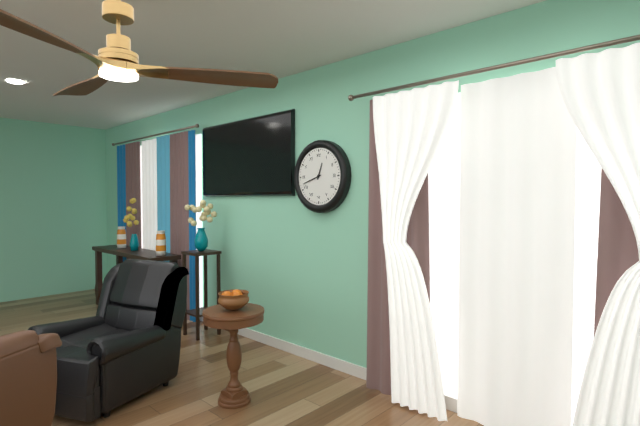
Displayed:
12,42
